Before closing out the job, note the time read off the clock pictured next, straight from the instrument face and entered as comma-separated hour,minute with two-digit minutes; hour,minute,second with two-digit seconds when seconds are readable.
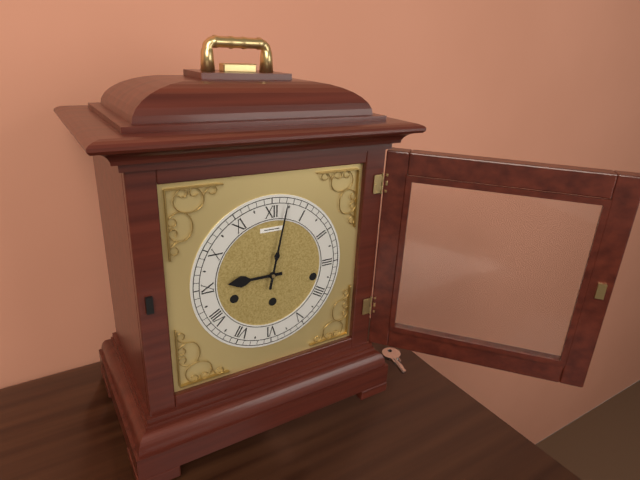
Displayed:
9,02
